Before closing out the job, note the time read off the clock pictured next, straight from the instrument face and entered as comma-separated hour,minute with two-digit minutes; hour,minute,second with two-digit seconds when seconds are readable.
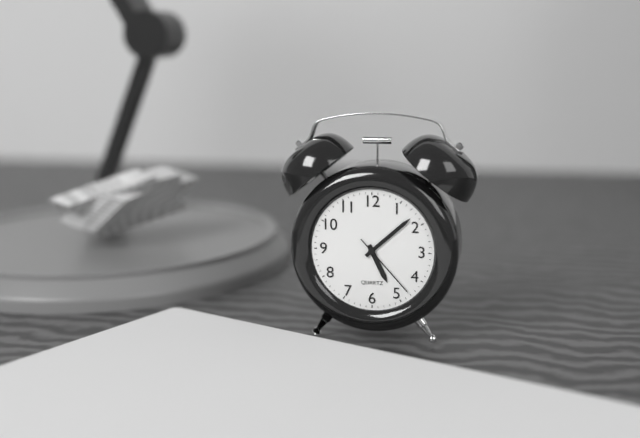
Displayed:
5,08,23
